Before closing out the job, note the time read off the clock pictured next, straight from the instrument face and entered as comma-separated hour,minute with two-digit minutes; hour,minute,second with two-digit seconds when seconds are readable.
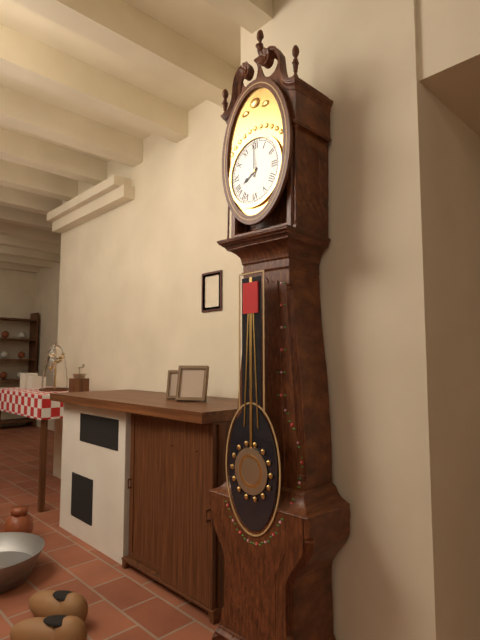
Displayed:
8,00
